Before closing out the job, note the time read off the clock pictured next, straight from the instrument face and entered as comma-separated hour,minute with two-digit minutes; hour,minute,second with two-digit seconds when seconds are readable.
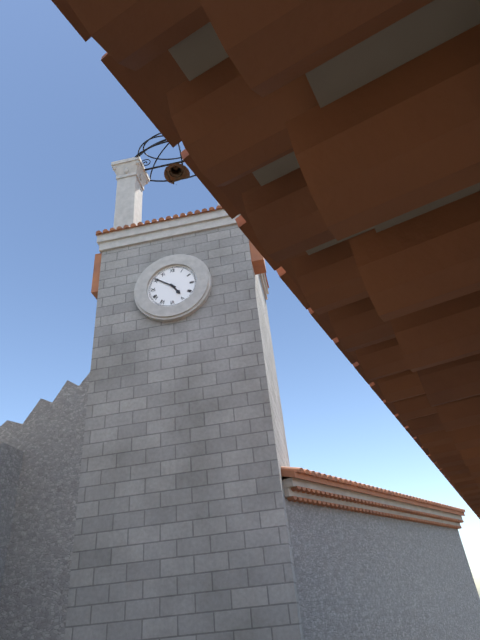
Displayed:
4,51
